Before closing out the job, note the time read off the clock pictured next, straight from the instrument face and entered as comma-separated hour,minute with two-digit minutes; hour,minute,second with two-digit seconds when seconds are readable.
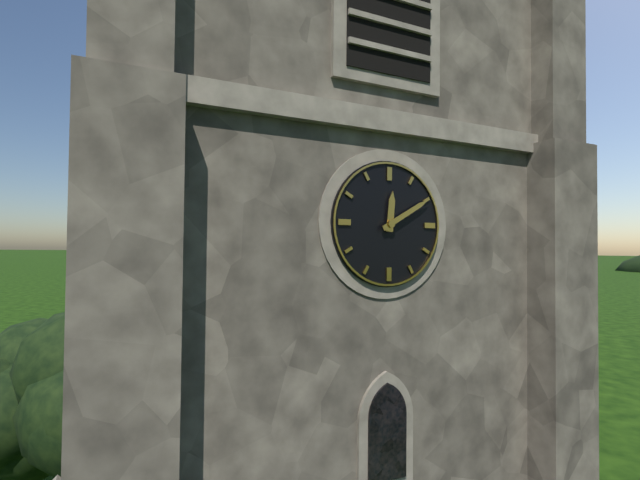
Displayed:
12,10
